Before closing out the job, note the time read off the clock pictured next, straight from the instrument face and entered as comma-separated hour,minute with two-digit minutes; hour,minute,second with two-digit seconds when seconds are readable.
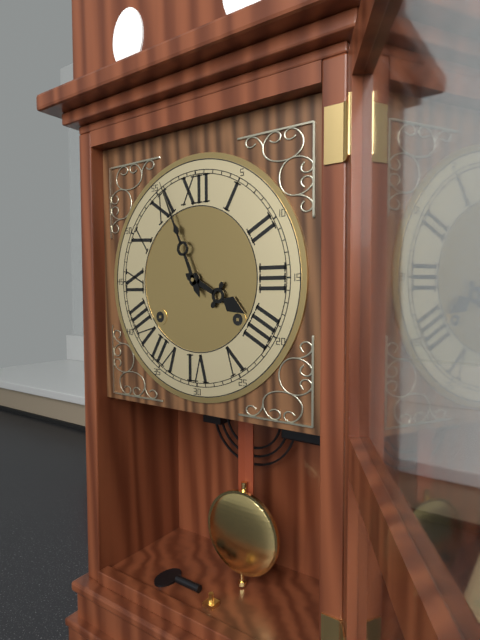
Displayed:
3,56
